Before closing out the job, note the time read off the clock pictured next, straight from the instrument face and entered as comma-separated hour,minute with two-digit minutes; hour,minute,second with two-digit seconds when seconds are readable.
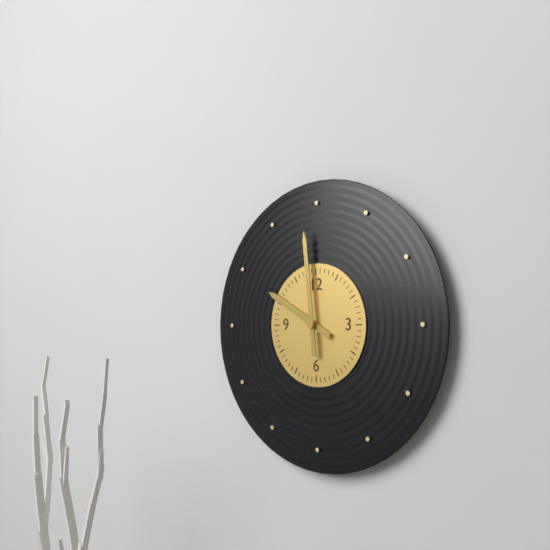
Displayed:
9,59
